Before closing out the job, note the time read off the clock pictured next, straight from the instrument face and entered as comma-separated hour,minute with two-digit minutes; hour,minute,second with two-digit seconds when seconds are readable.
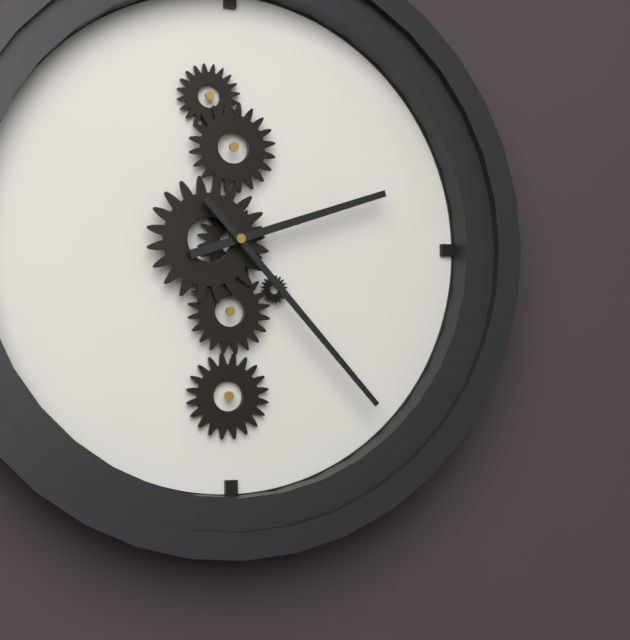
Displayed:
2,23
